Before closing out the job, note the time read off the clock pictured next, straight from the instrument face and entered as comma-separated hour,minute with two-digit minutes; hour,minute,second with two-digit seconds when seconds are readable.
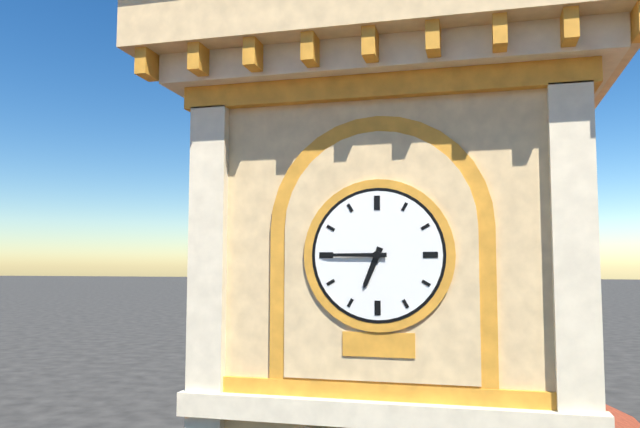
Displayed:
6,45
